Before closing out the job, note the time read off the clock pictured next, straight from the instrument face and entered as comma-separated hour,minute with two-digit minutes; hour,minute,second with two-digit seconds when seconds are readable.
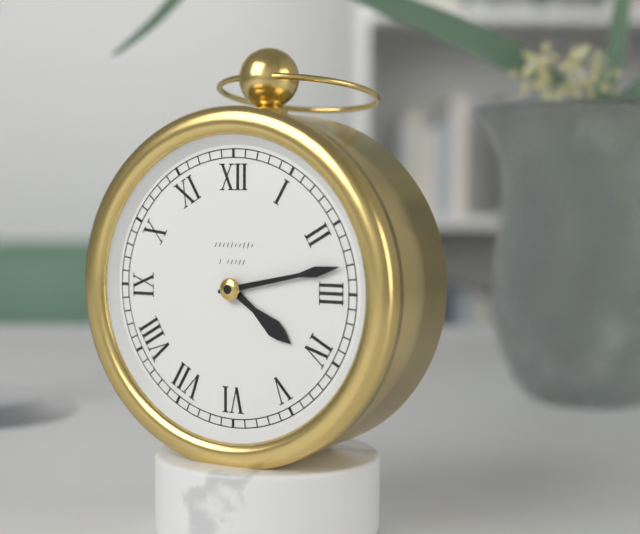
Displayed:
4,13
